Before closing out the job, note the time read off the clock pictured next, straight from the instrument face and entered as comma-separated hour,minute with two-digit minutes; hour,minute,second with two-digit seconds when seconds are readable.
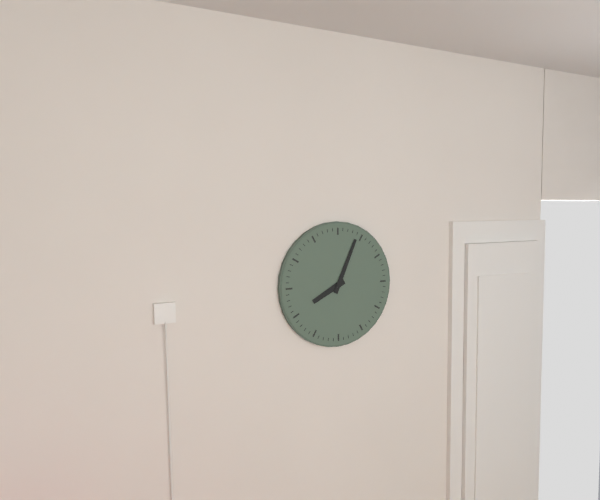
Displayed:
8,04
